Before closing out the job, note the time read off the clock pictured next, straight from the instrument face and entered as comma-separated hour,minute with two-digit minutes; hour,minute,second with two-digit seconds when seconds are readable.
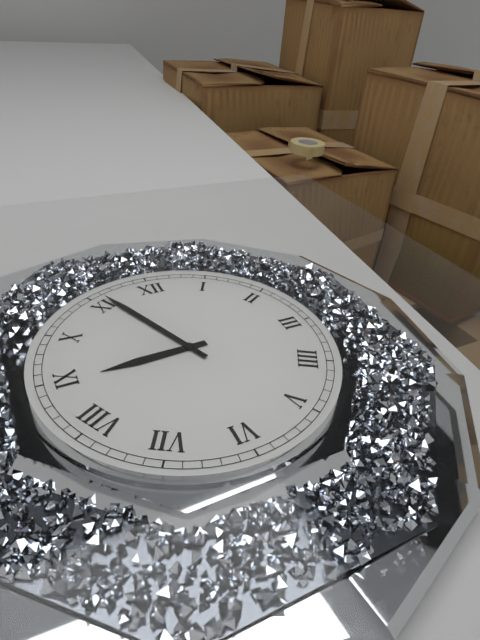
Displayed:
8,56
